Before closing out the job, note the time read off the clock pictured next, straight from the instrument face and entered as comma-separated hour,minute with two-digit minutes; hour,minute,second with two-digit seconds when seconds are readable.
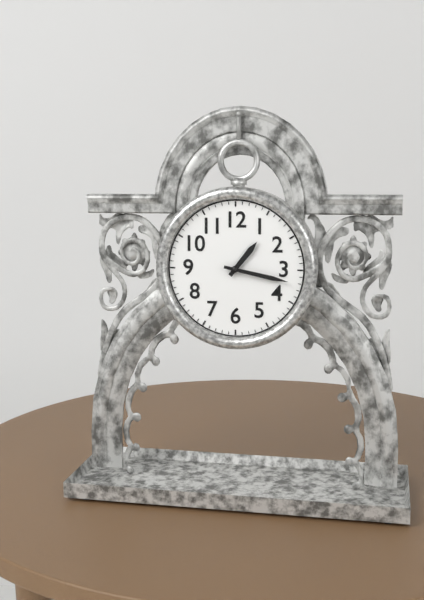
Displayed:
1,17
